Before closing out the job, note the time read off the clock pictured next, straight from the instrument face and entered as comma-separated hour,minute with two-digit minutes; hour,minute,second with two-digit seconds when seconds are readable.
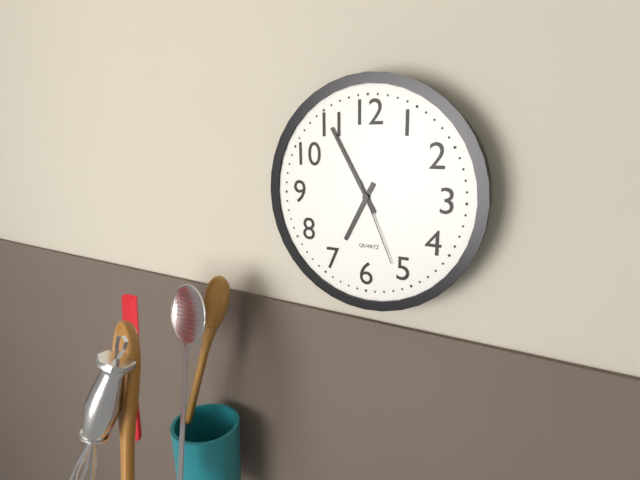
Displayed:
6,55,26
